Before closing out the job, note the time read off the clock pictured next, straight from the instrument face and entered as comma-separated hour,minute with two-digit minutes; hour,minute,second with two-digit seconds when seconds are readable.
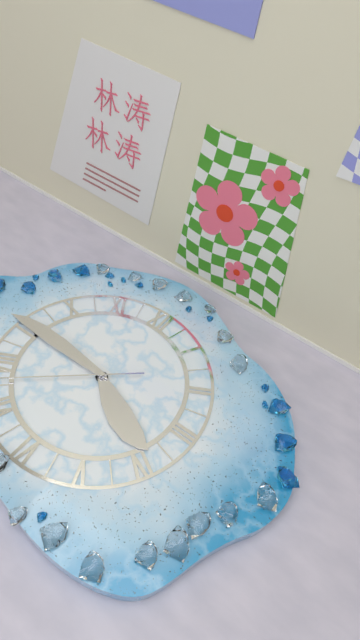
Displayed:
3,45
